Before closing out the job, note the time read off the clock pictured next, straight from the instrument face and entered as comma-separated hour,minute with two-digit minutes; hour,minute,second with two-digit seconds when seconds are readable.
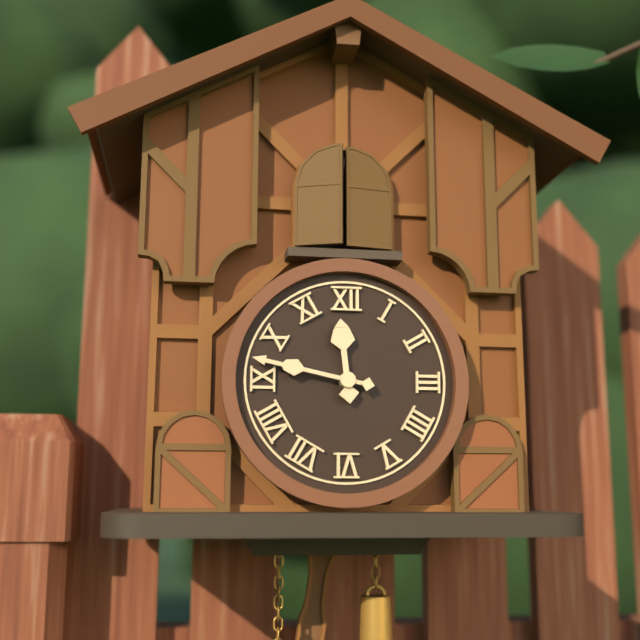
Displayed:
11,47
